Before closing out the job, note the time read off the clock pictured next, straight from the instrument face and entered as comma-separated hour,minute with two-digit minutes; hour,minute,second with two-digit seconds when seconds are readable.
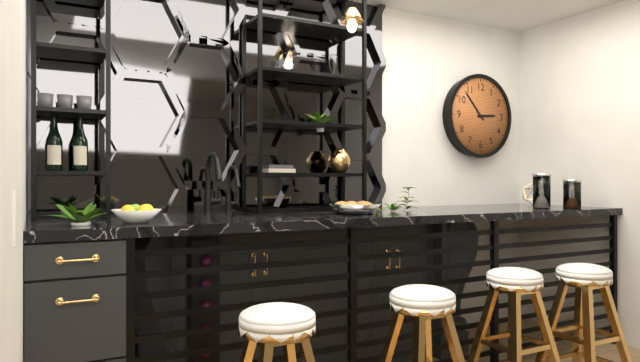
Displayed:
2,53
